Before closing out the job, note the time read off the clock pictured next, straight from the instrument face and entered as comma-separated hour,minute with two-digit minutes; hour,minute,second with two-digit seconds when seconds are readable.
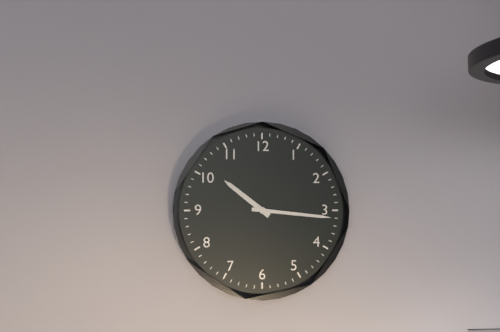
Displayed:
10,16
